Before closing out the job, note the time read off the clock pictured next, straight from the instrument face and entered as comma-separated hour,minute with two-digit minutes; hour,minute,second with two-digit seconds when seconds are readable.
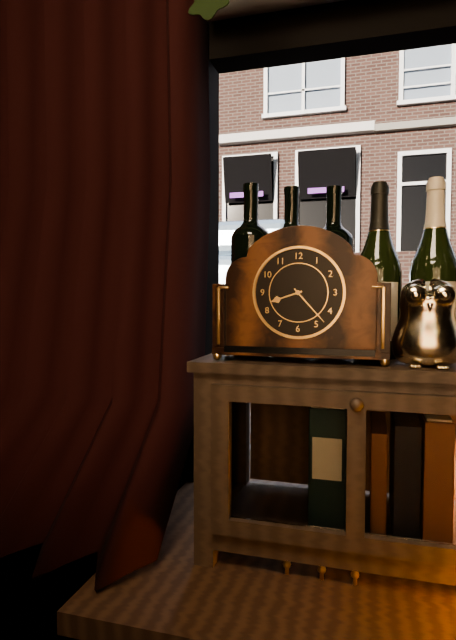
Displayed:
8,23
